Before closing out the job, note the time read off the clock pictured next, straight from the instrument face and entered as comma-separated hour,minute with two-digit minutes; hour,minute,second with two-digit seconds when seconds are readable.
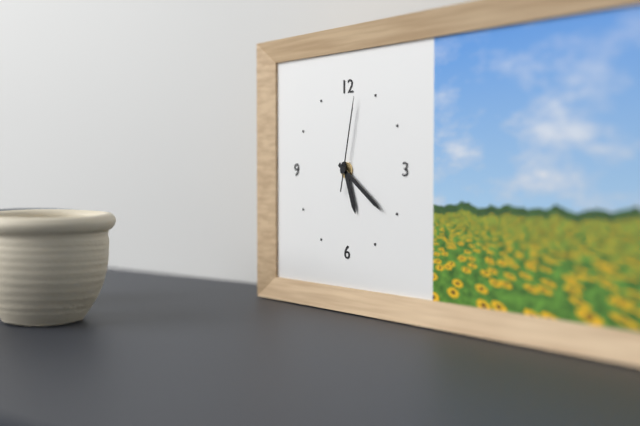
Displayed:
5,21,02
